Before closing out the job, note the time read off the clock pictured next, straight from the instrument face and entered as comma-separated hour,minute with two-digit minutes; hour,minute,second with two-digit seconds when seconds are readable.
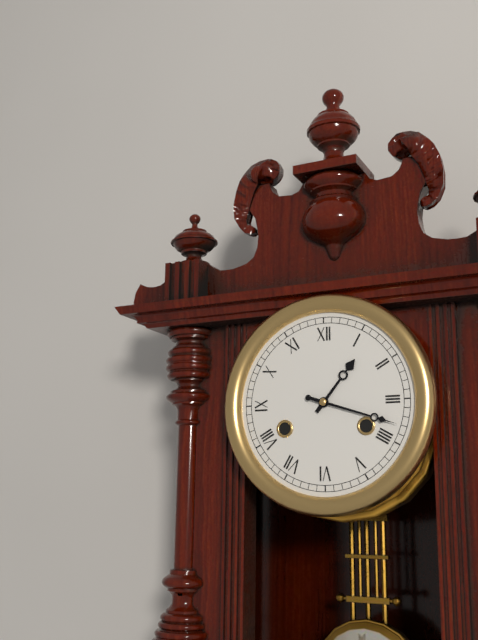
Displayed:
1,18
